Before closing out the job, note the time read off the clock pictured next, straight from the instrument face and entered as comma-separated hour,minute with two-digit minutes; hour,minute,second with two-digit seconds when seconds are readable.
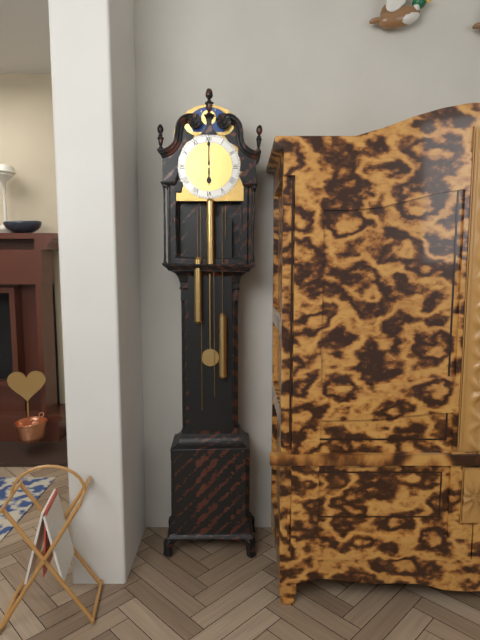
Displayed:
6,00
